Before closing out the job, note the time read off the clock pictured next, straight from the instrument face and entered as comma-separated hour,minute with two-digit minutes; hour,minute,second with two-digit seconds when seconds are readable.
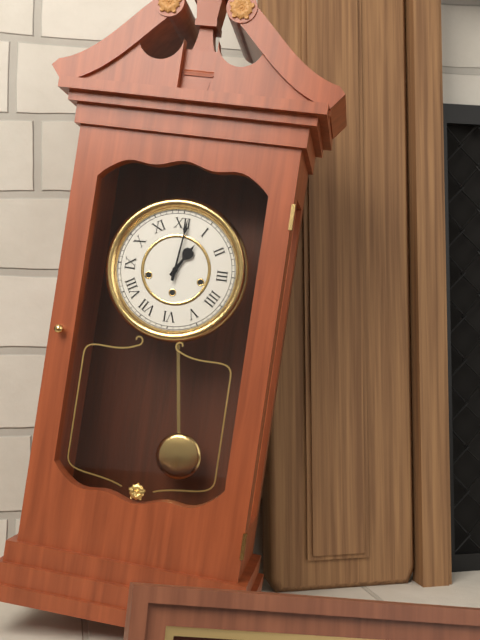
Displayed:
1,01
